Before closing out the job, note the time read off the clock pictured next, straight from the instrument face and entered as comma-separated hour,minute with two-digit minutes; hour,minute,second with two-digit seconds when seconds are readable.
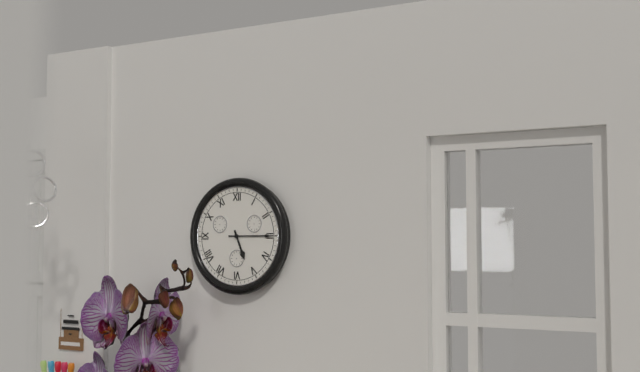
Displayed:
5,15
